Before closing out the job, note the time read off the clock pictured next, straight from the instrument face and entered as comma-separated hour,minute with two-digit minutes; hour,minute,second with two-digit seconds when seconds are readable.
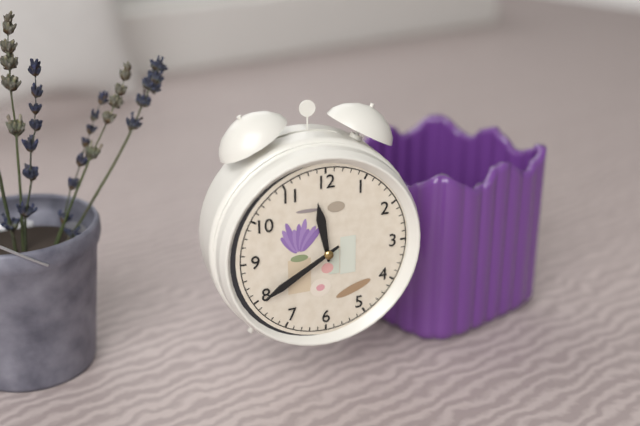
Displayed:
11,40
